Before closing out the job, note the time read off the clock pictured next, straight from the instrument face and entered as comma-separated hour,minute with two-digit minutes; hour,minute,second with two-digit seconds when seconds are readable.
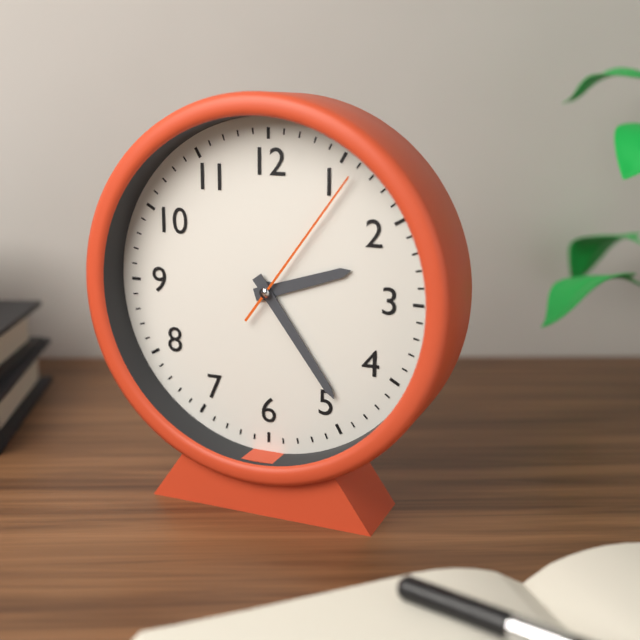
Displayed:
2,24,06
